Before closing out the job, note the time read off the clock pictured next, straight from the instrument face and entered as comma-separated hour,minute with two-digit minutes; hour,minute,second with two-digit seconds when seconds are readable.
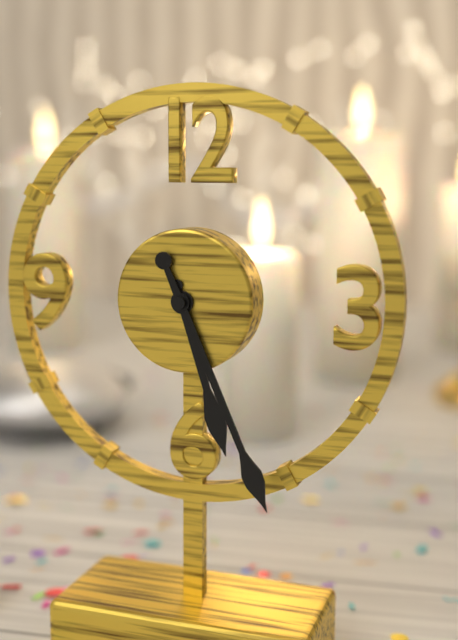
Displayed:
5,26
